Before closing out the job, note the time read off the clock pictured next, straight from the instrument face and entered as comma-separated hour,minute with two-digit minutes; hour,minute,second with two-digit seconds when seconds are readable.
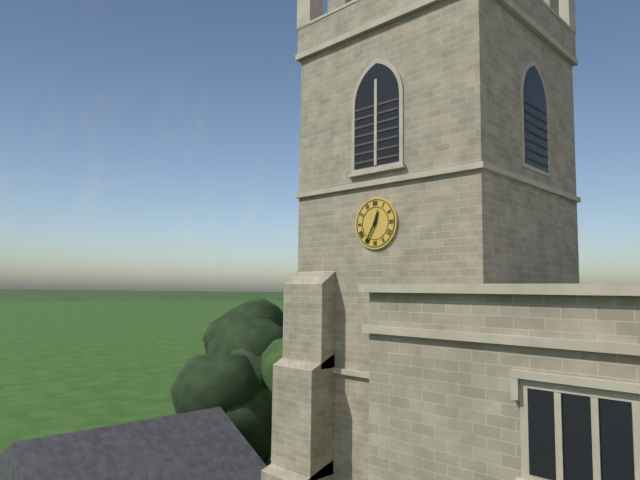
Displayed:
12,35
